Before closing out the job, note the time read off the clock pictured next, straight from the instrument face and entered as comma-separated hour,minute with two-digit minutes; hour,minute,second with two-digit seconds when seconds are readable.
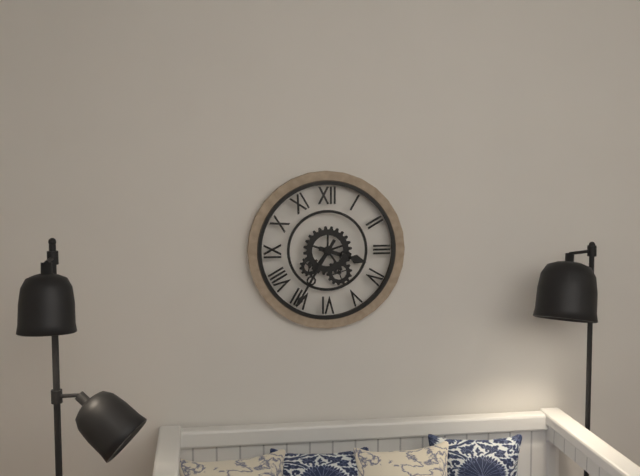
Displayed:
3,35
